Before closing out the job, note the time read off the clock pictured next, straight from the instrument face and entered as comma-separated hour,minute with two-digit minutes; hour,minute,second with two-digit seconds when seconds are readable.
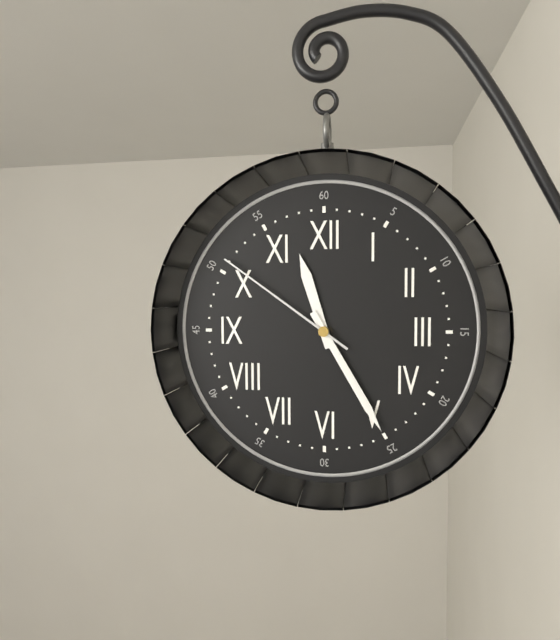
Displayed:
11,25,51
